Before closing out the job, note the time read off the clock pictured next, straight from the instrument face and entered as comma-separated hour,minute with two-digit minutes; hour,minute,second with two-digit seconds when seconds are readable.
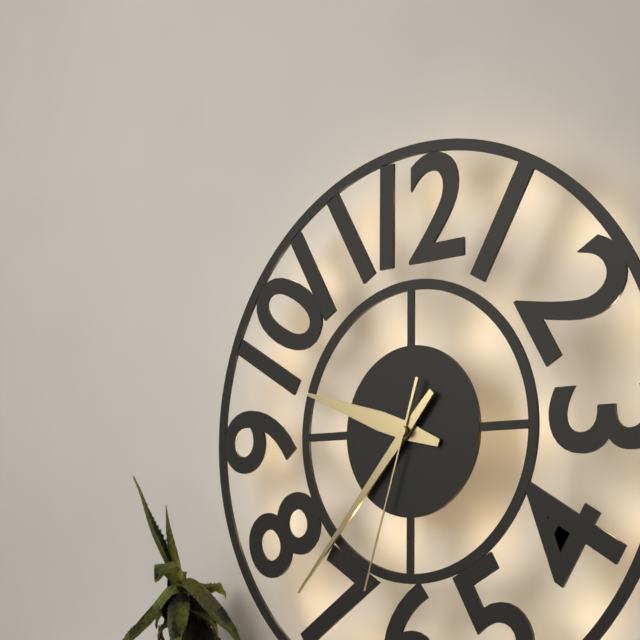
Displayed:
9,37,33
